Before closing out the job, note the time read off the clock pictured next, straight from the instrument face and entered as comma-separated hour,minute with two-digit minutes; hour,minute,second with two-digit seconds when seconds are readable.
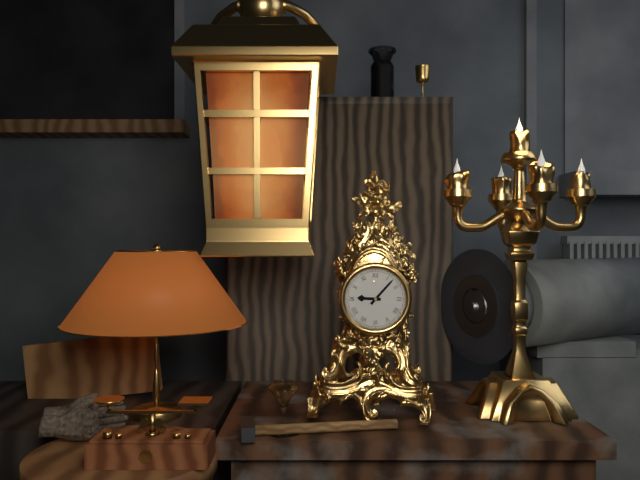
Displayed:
9,07
